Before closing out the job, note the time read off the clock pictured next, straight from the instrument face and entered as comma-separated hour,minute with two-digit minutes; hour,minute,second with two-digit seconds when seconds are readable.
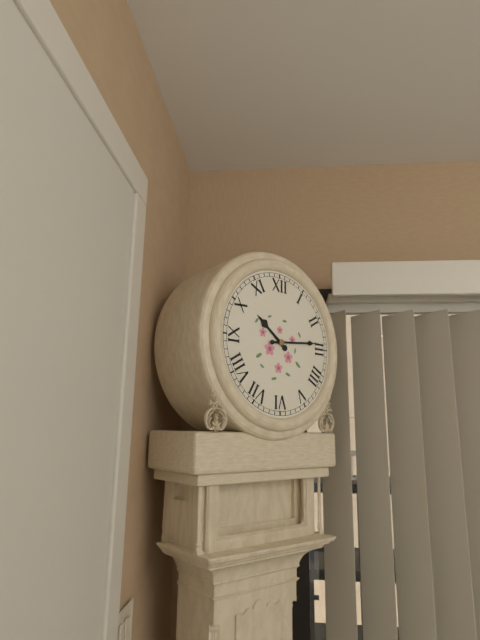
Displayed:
10,14
